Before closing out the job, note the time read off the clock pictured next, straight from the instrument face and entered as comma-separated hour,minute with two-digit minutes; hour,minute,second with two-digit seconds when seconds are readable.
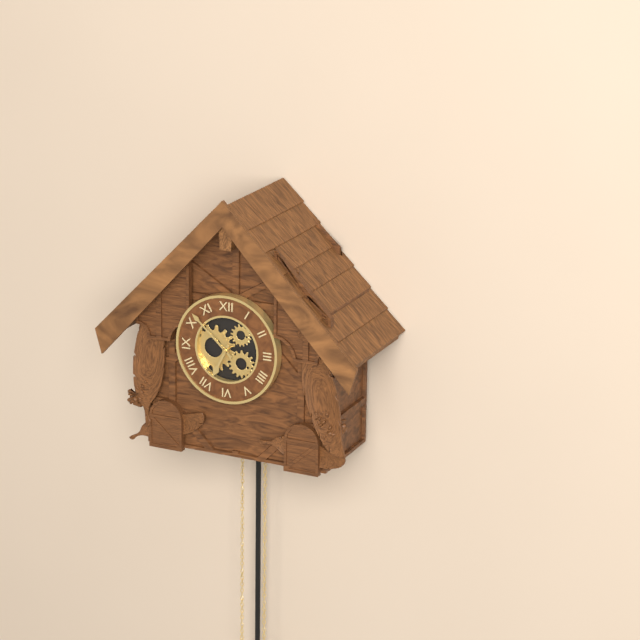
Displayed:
6,52
